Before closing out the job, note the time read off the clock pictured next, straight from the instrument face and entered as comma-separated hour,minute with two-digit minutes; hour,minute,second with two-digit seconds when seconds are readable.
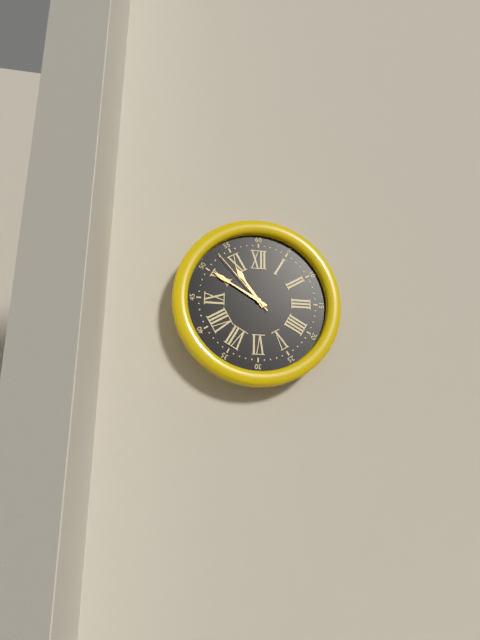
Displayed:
10,50,53
